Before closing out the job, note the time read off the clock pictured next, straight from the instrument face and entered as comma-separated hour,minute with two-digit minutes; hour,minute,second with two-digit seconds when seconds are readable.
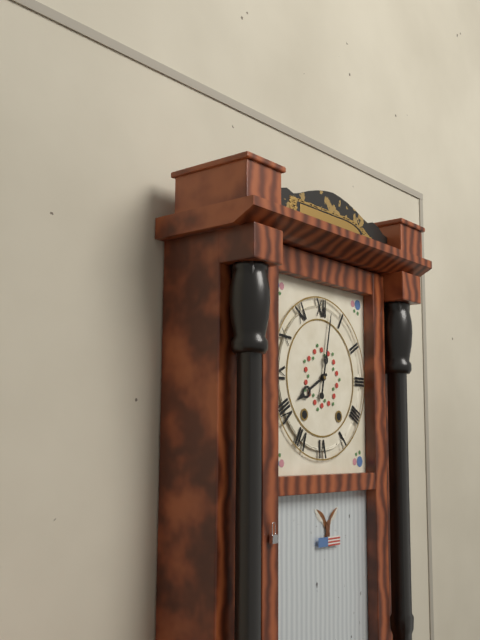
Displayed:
8,02
